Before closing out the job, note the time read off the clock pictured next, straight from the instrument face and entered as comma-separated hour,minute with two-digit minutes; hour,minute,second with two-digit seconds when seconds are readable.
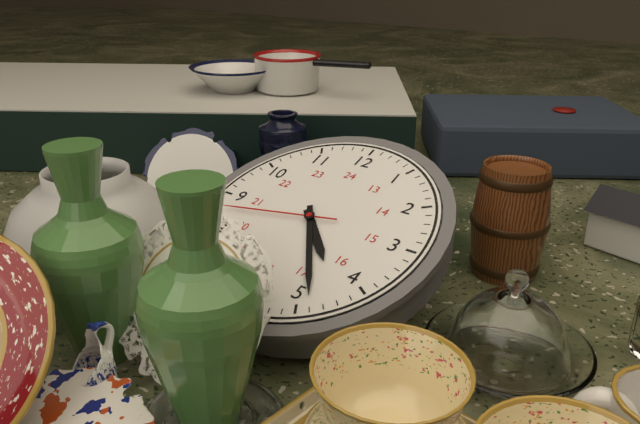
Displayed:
4,24,43
